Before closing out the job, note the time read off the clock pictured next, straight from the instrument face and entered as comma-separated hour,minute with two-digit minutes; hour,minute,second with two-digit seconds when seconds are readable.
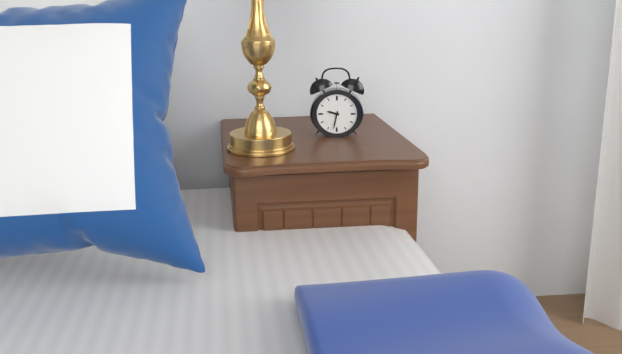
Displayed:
9,32
